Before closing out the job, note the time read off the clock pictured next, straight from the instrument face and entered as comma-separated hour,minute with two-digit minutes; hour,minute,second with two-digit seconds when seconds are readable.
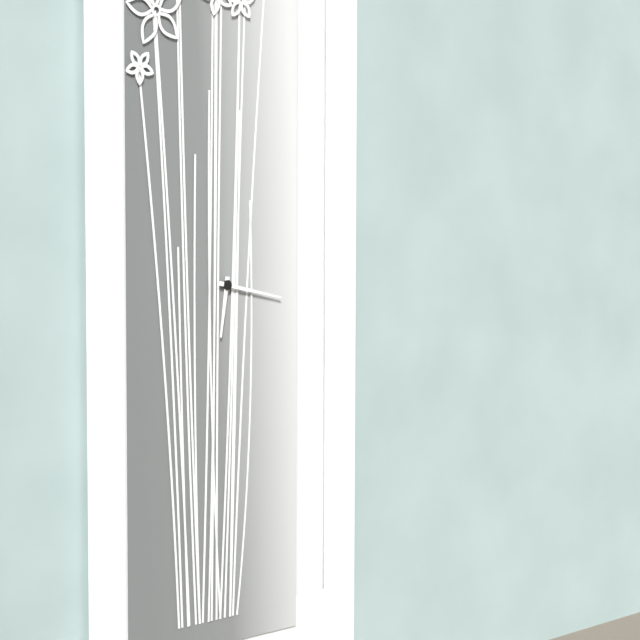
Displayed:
6,17
